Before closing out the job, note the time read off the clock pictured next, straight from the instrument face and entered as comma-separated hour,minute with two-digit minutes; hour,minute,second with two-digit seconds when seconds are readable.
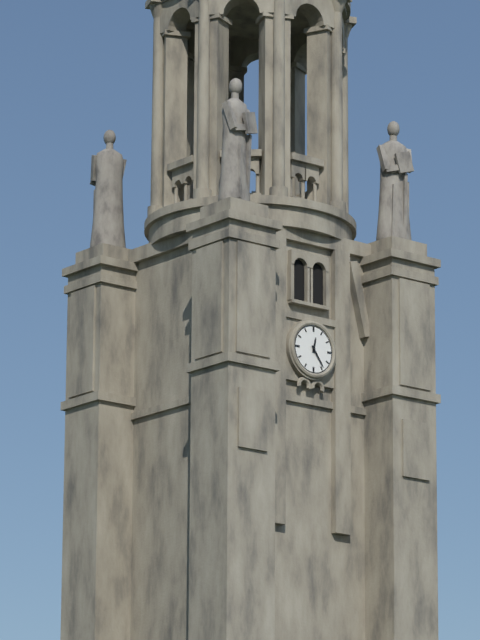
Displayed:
12,24
